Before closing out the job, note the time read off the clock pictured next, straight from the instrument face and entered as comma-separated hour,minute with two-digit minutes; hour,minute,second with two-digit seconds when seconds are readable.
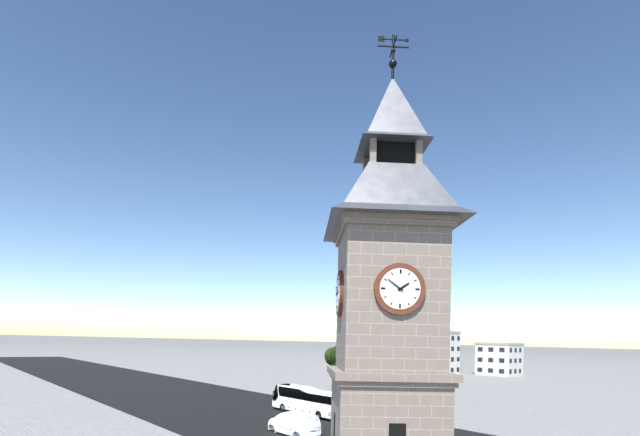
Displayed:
1,51
